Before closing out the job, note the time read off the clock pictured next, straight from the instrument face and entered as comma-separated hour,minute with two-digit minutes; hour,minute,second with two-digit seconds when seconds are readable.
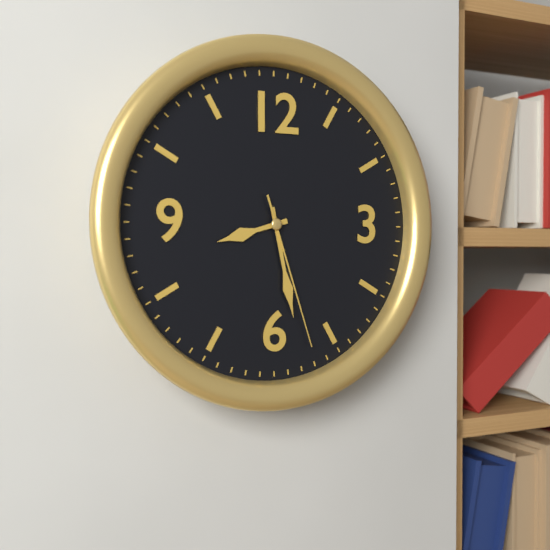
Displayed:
8,28,27
